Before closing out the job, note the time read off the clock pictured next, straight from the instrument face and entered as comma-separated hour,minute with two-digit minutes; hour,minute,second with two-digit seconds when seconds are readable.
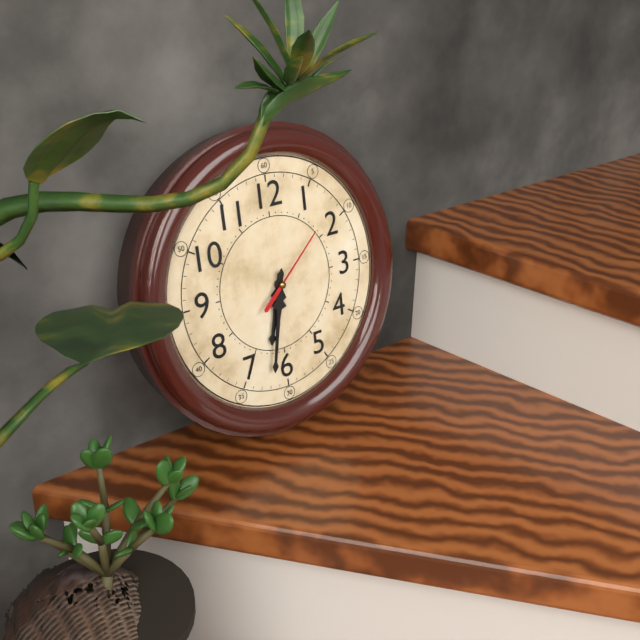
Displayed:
6,32,08
